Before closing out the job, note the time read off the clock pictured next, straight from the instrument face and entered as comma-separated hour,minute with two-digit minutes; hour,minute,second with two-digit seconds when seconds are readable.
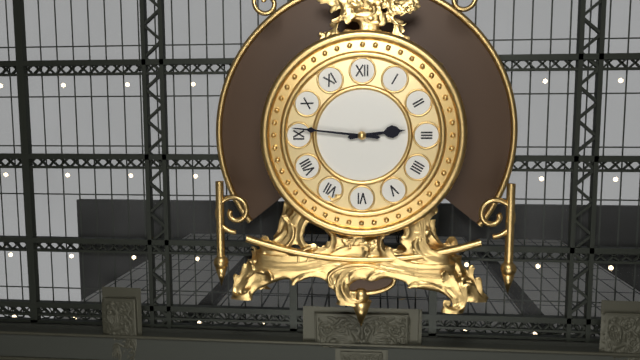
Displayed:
2,46
